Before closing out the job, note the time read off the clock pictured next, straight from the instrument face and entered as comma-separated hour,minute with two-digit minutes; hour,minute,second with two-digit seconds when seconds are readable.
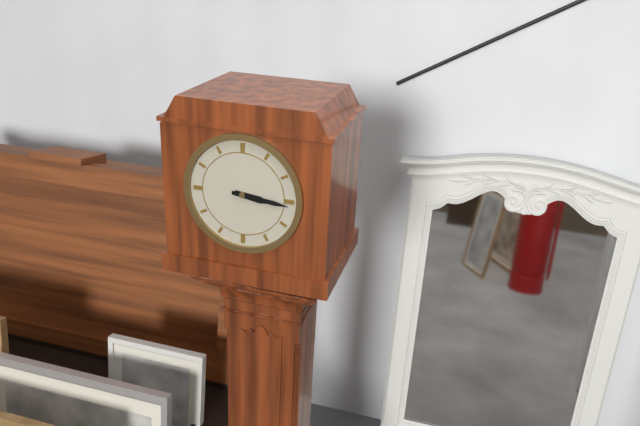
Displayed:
3,16
